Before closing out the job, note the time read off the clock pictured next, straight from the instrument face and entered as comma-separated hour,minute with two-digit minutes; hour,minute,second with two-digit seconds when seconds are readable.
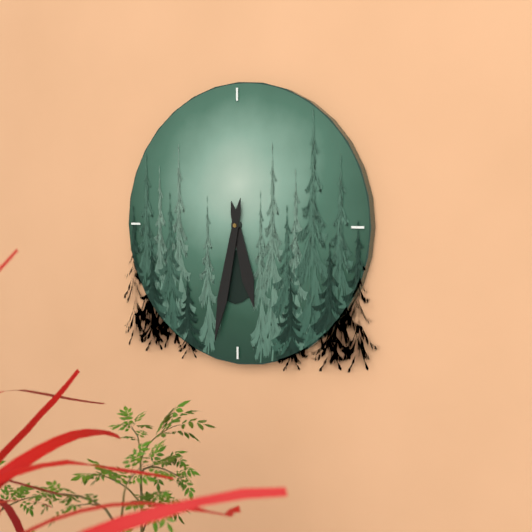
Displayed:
5,32
